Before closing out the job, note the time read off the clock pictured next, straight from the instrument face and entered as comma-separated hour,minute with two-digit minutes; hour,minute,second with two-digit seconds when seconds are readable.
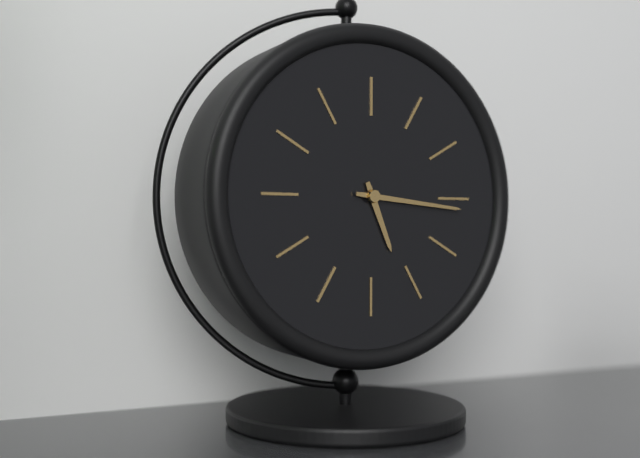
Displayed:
5,16
